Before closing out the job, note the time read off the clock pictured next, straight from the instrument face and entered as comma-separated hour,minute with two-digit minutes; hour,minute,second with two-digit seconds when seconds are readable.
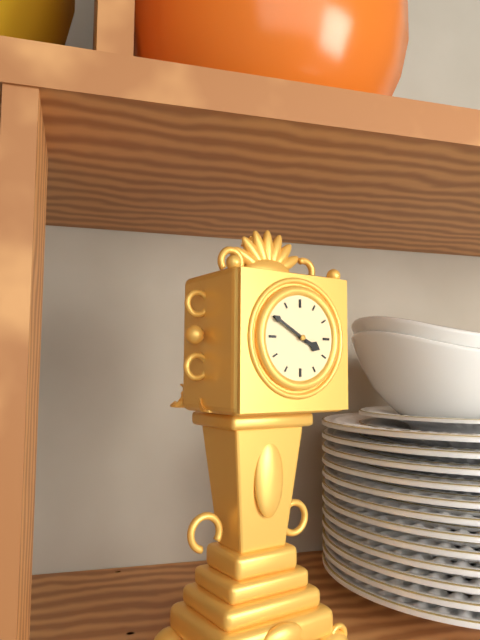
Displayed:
3,50
